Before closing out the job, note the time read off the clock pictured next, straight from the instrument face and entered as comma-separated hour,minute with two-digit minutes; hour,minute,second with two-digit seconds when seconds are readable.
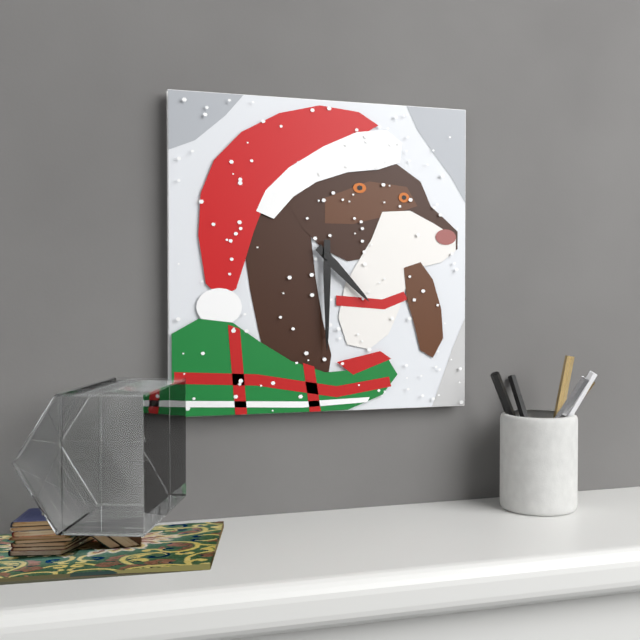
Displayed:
4,30
